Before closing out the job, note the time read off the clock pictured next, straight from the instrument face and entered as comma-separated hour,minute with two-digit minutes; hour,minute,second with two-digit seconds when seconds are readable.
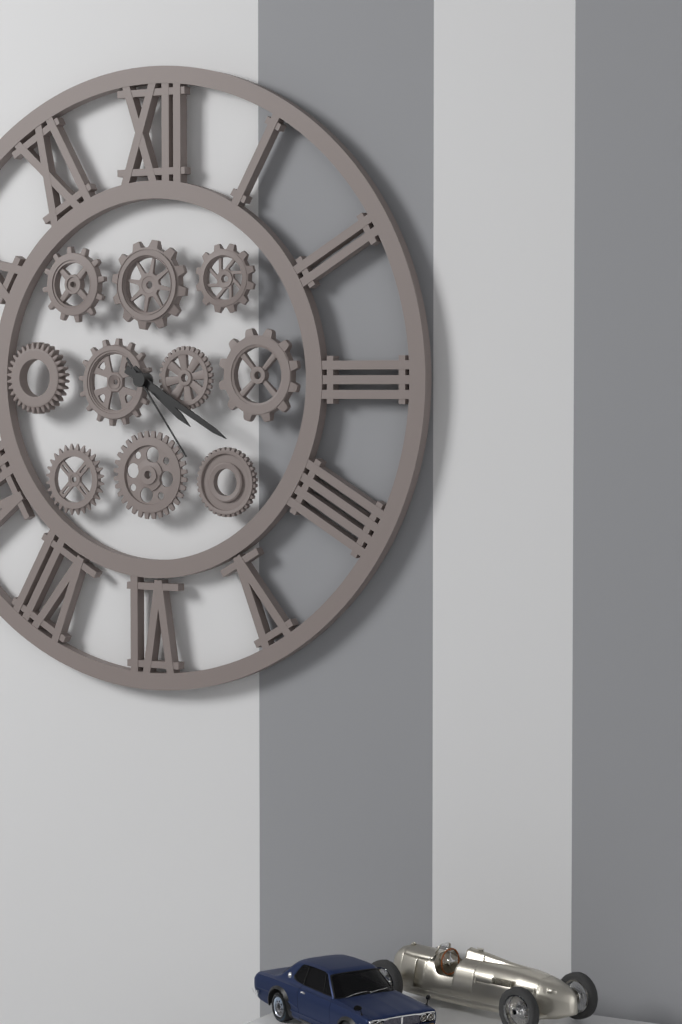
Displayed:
4,20,24
